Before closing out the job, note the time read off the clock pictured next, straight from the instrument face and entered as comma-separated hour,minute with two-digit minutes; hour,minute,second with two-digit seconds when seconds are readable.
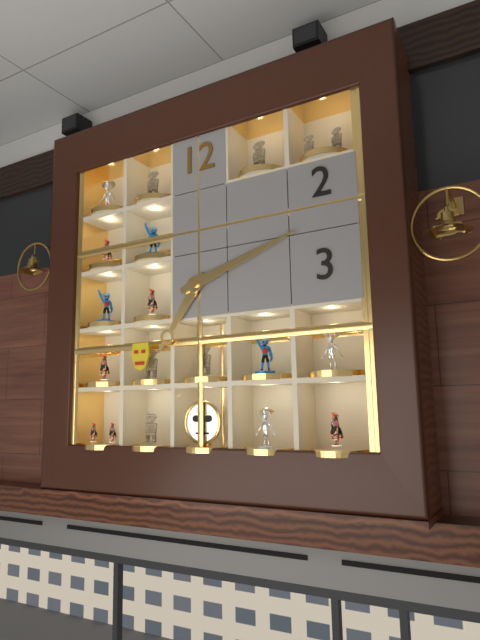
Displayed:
7,12
